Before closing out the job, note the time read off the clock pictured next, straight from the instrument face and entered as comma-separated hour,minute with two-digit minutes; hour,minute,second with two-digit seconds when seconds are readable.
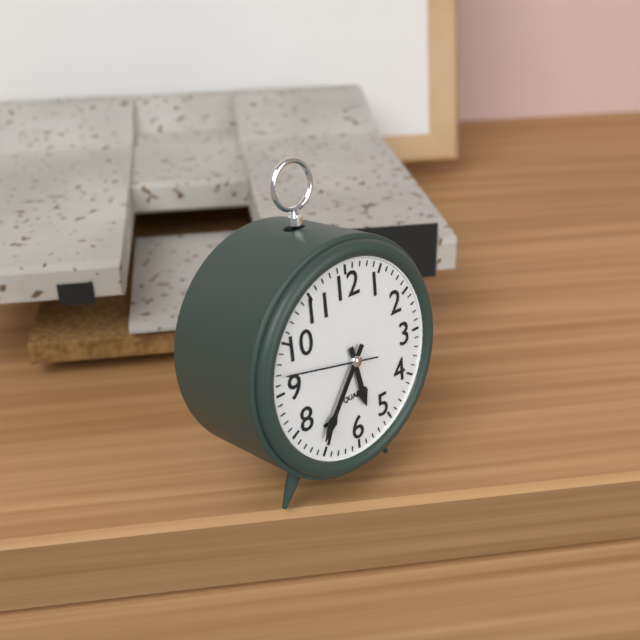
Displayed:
5,36,47
